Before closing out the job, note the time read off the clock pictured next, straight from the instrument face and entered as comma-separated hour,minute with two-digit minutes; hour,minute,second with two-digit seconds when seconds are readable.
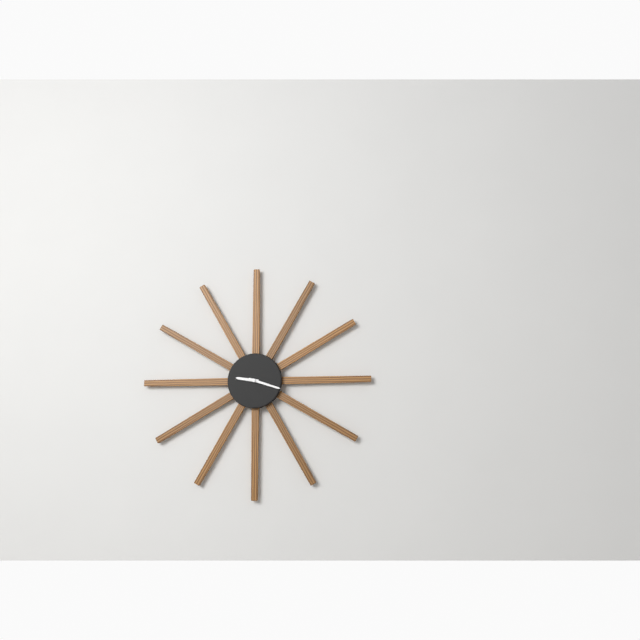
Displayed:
9,18
